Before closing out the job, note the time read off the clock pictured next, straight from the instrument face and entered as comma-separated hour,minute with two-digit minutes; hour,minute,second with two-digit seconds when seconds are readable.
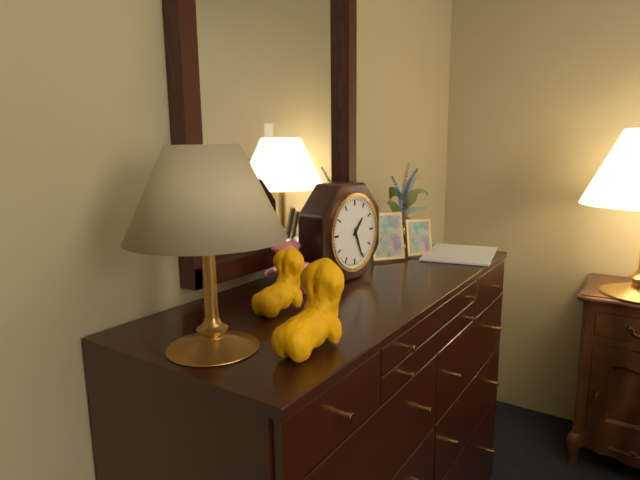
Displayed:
1,26
